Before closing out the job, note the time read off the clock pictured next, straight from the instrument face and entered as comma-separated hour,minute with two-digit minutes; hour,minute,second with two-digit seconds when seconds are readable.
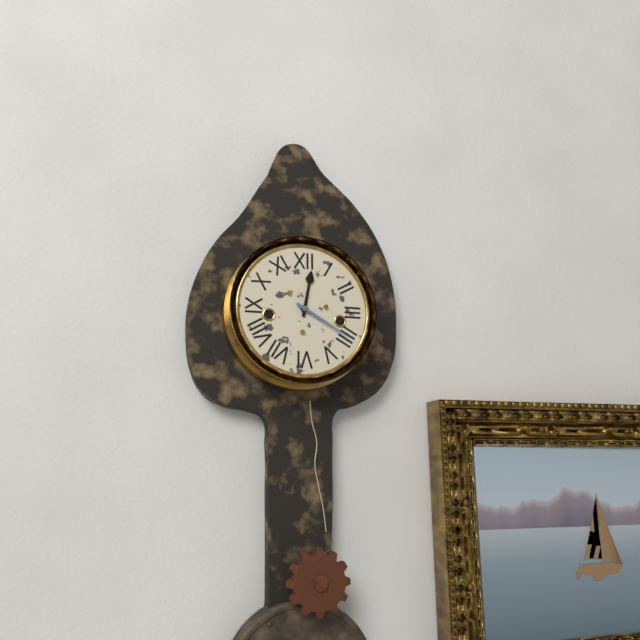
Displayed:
12,20
